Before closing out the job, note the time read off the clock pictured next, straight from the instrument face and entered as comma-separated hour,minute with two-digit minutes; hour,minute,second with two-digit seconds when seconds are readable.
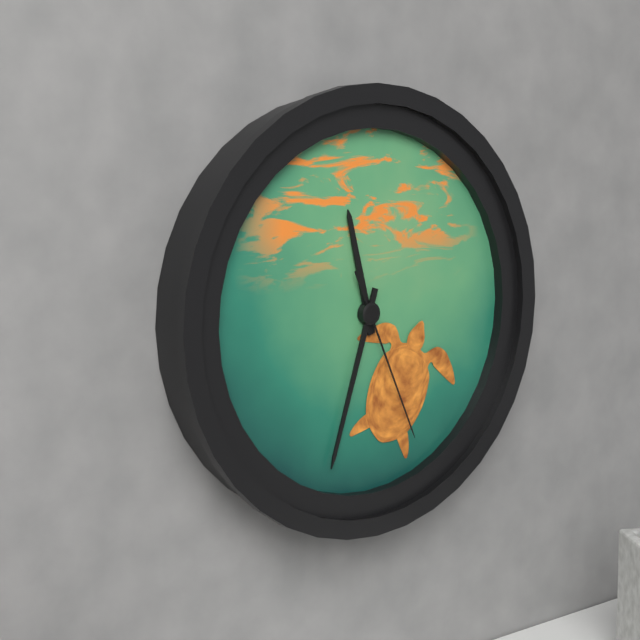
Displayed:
11,33,26
